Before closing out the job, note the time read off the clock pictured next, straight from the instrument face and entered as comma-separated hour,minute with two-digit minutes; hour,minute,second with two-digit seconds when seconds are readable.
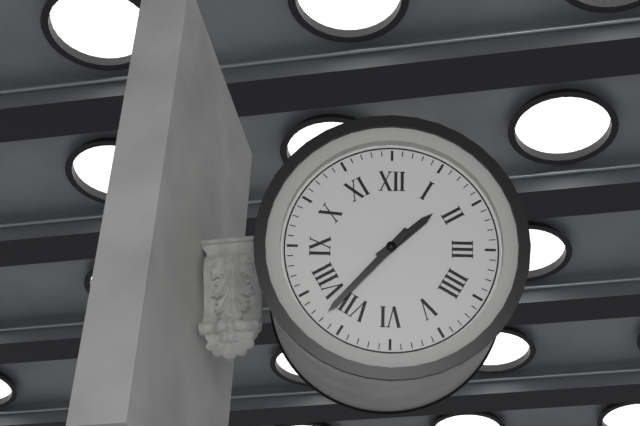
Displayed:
1,37
